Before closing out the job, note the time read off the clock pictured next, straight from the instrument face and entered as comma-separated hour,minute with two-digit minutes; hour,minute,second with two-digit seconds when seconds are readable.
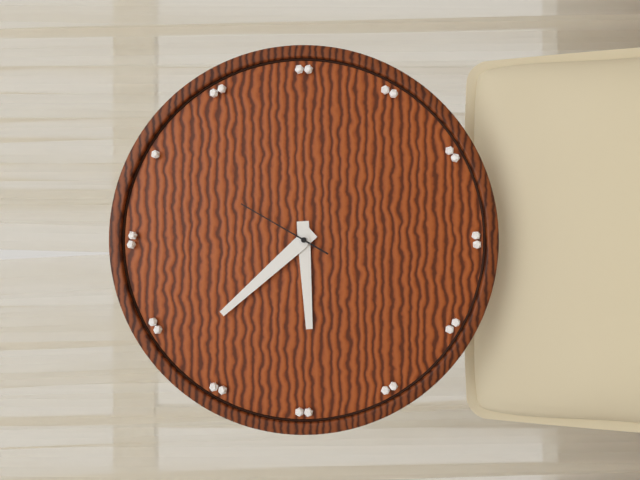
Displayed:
8,53,05
